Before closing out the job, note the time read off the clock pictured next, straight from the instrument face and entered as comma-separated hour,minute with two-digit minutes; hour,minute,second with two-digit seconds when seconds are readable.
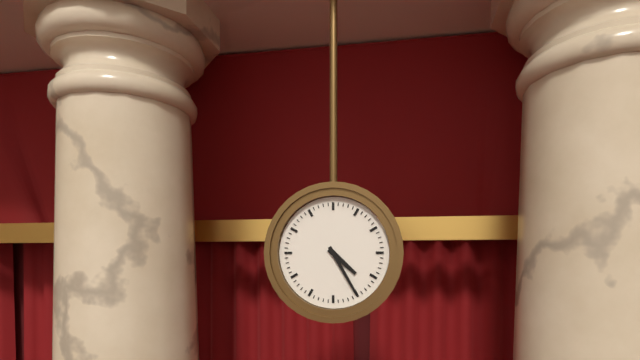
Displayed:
4,25
